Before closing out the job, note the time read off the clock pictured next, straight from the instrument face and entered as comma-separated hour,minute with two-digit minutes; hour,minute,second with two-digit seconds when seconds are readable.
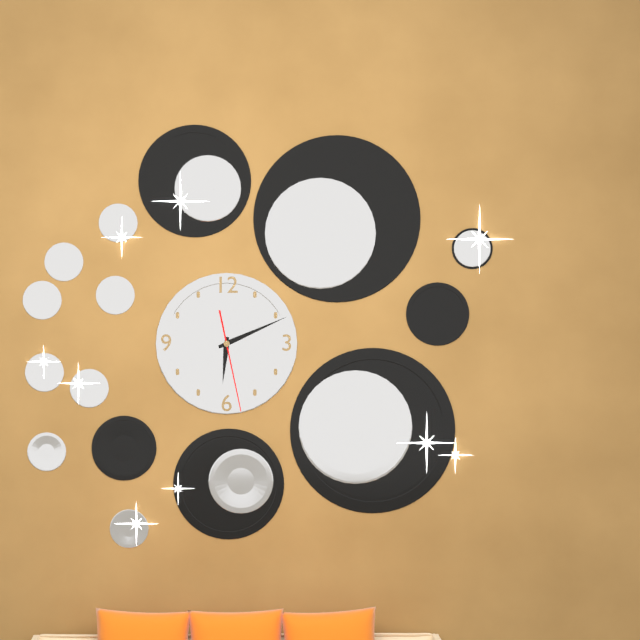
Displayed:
6,11,28
